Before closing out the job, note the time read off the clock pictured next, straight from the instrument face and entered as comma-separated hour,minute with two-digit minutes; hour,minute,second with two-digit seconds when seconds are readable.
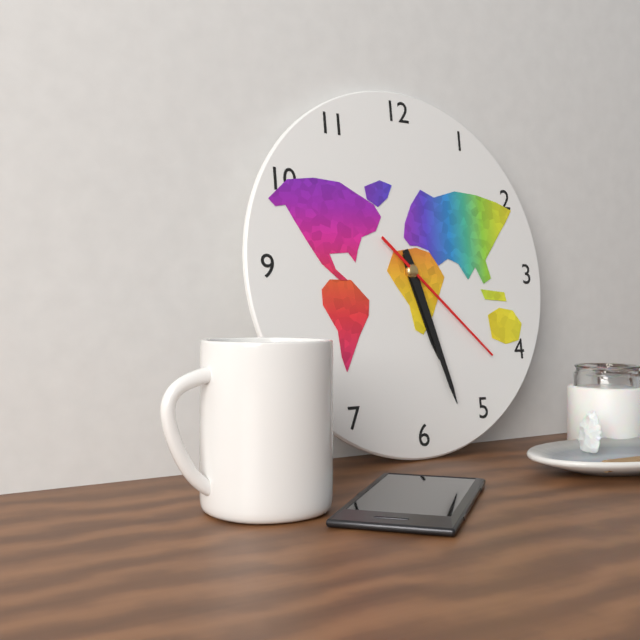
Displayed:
5,27,22
